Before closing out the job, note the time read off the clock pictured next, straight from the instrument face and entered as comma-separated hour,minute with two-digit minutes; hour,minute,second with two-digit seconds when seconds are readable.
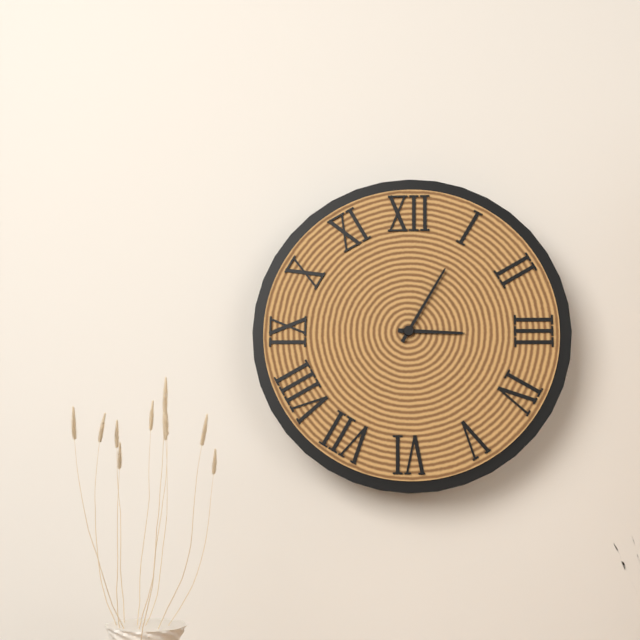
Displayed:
3,05
